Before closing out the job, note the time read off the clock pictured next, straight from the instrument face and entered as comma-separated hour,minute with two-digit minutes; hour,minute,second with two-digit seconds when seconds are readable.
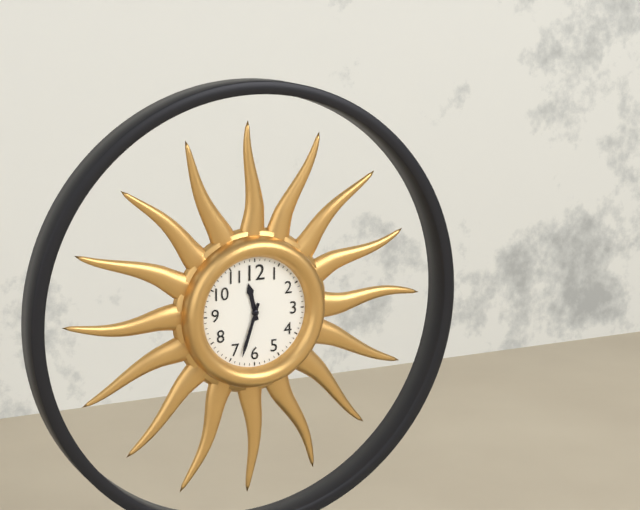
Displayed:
11,33
